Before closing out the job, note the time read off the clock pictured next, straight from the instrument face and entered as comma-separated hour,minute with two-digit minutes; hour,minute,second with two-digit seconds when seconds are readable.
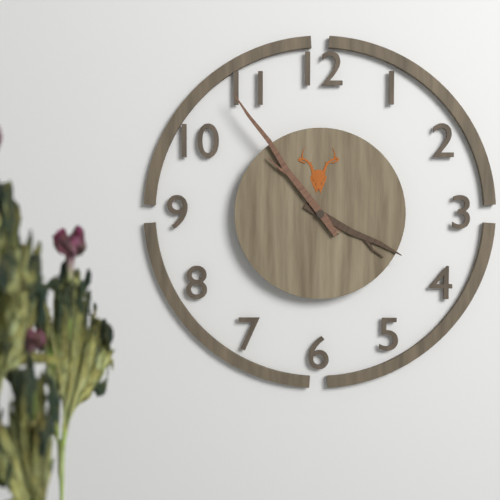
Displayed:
3,54
